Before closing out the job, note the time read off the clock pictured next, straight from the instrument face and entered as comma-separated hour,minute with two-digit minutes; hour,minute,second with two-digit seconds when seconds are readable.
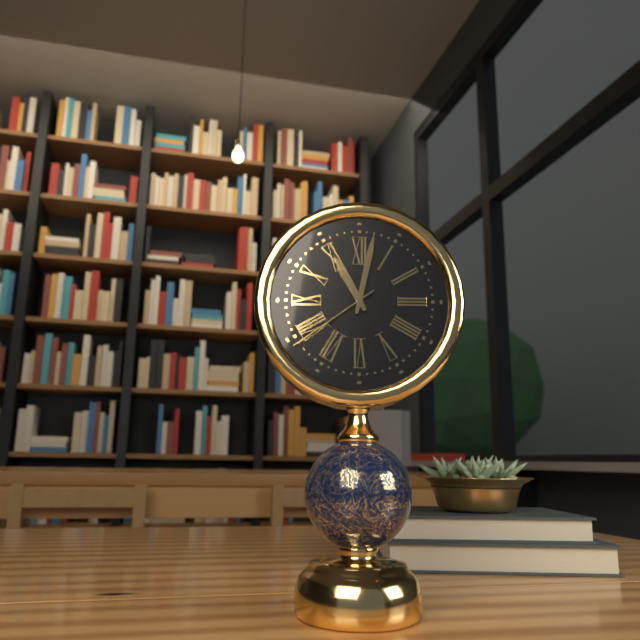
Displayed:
11,02,39
